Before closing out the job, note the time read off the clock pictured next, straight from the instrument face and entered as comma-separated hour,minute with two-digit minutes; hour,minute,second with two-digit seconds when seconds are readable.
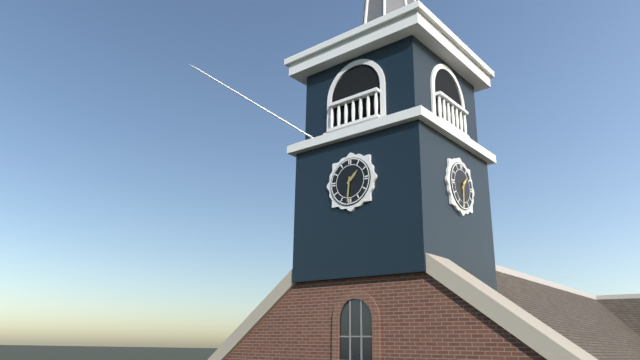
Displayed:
1,31
